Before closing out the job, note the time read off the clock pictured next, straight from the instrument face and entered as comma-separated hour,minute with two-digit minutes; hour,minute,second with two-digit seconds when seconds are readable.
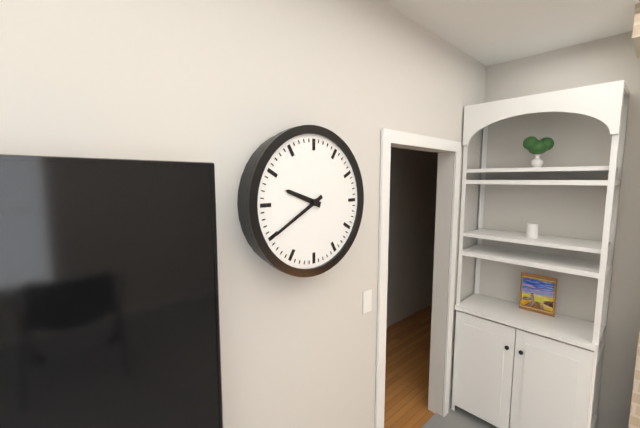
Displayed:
9,40
